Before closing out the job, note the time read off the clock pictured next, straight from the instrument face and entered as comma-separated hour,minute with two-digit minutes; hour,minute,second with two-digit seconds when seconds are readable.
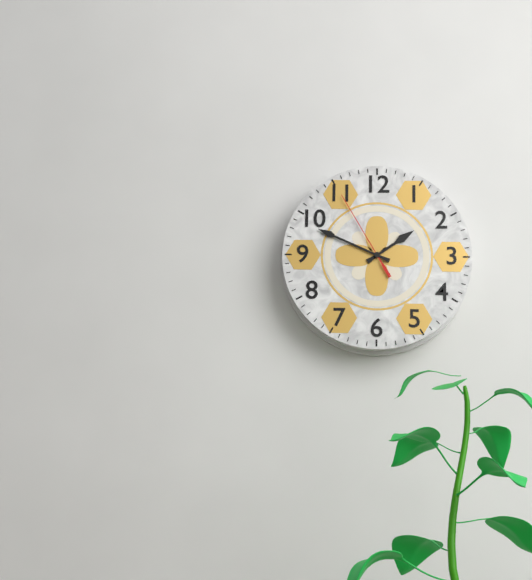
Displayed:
1,49,55
